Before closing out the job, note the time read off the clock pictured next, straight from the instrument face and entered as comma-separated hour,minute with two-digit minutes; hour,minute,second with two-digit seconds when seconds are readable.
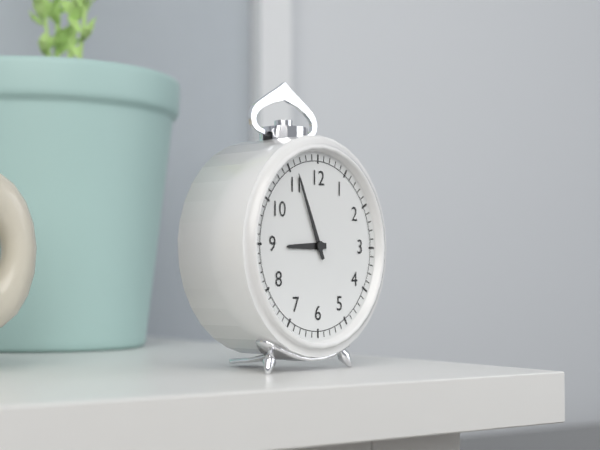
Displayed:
8,56
